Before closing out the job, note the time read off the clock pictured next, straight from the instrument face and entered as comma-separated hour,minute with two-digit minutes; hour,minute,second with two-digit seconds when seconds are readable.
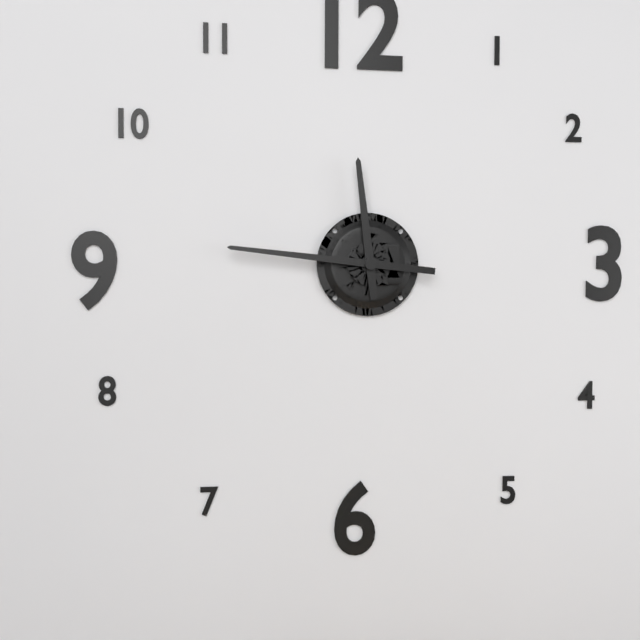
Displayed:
11,46
